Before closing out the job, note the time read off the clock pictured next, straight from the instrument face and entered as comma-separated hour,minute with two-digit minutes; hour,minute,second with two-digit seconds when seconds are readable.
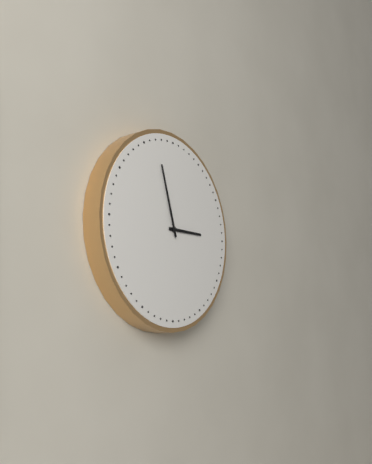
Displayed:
2,57
